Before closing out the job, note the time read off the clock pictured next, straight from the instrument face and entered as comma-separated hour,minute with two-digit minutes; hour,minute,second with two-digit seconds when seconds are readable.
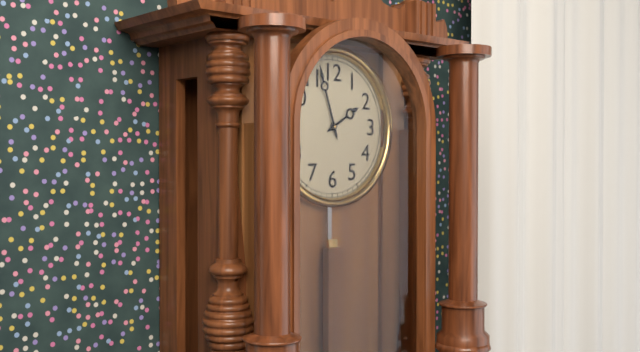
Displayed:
1,57
